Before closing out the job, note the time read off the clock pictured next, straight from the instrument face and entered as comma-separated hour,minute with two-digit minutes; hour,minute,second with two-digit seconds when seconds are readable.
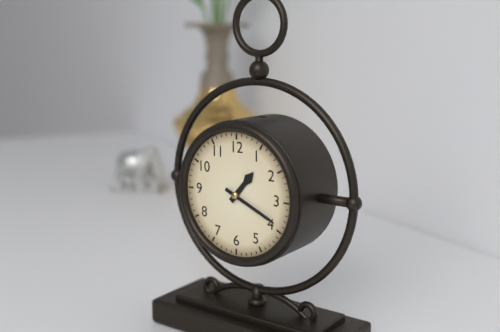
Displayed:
1,19
